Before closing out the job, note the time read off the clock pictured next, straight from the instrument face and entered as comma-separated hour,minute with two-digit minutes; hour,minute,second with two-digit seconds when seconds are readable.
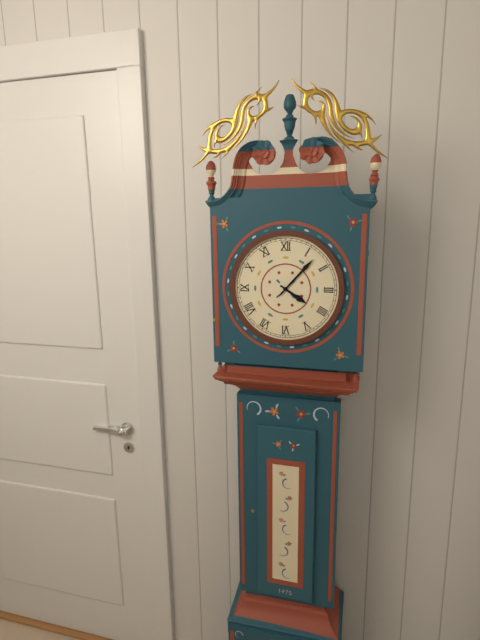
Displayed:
4,07
